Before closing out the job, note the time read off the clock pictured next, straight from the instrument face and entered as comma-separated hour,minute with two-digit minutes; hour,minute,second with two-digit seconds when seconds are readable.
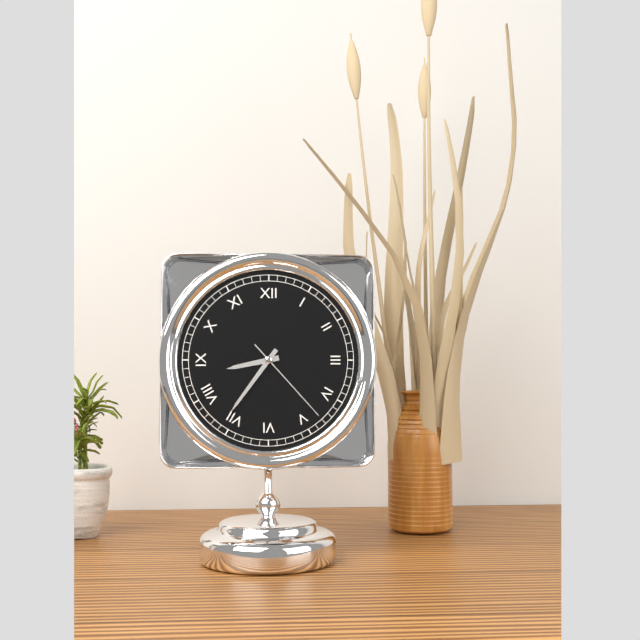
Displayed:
8,36,23
